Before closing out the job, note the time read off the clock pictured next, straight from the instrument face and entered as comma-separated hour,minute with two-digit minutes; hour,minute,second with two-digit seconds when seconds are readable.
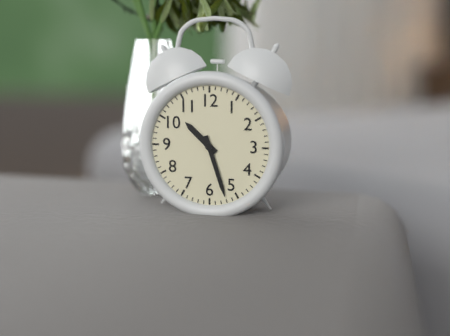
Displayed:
10,27
